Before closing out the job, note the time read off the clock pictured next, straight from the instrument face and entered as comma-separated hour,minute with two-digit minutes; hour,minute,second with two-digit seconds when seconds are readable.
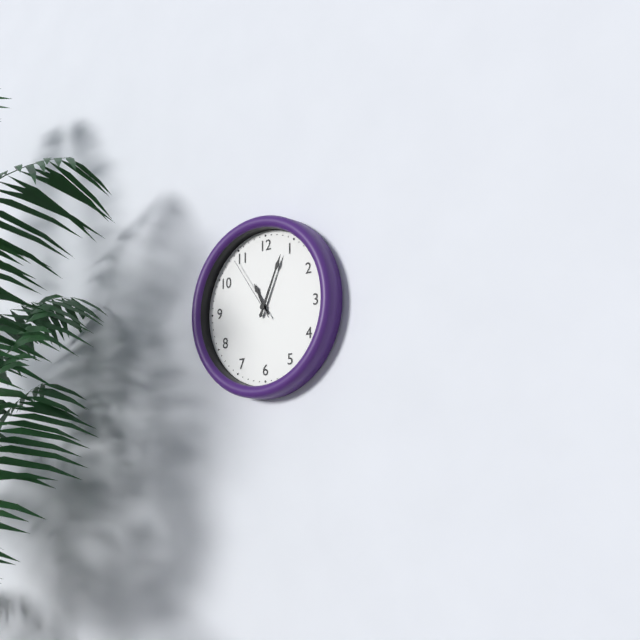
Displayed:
11,04,54
